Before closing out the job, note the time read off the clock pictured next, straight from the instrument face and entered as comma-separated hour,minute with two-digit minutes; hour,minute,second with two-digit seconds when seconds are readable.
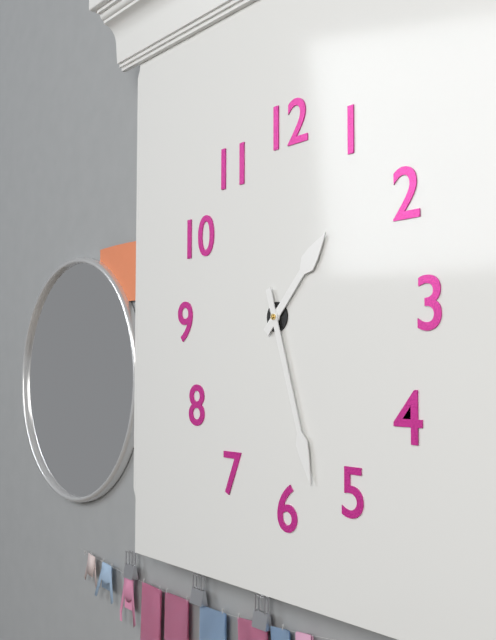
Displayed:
1,27
